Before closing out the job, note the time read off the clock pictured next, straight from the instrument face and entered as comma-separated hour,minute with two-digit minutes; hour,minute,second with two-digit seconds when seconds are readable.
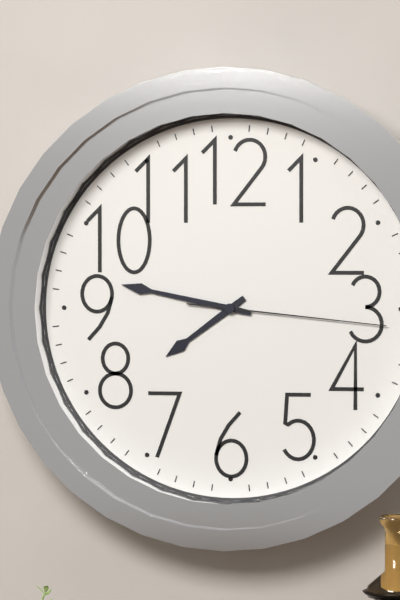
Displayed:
7,47,16
